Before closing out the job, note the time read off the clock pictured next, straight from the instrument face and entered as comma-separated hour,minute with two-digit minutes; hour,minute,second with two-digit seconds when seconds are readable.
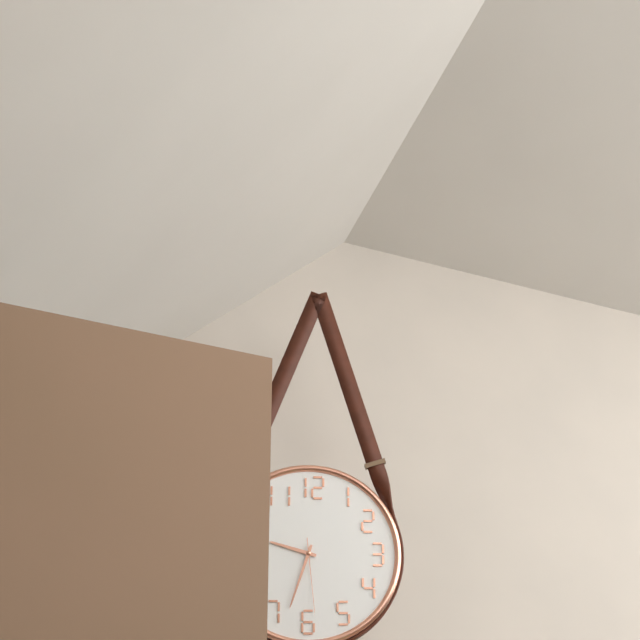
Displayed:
9,33,29
